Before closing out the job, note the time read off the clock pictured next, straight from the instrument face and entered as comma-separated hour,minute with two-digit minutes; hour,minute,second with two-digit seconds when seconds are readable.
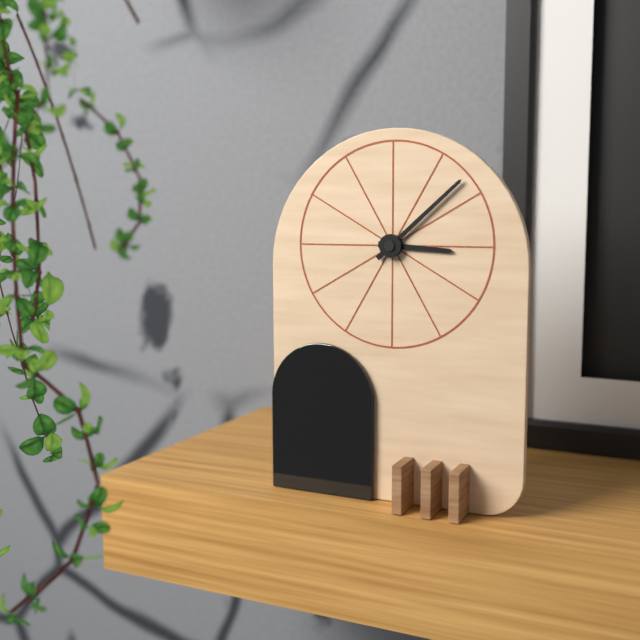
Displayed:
3,08
